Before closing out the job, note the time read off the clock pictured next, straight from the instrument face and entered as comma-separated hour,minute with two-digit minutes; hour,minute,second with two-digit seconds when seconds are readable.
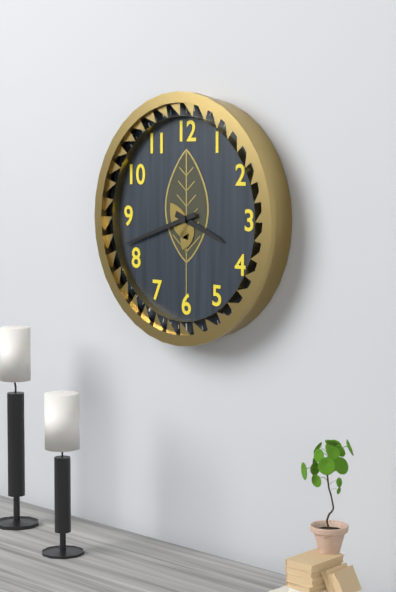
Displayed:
3,42
